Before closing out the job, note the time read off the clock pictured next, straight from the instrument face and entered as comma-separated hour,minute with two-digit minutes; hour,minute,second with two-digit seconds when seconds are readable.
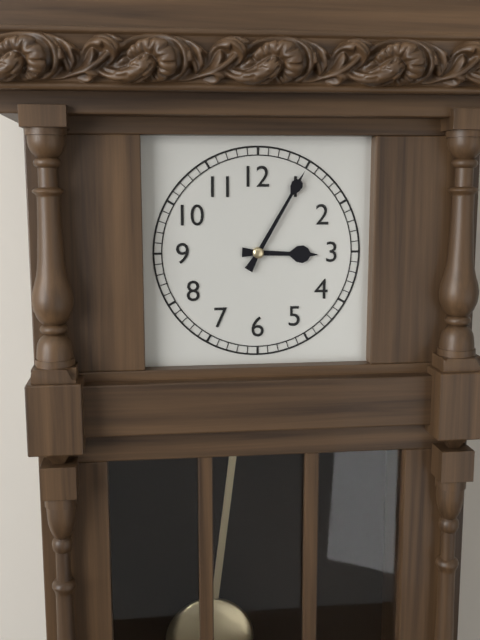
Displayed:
3,05
